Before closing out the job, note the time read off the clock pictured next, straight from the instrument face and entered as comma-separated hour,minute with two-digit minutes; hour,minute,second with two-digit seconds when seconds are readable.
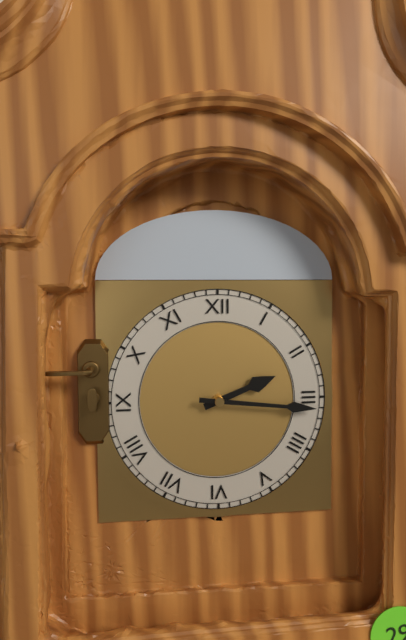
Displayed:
2,16
